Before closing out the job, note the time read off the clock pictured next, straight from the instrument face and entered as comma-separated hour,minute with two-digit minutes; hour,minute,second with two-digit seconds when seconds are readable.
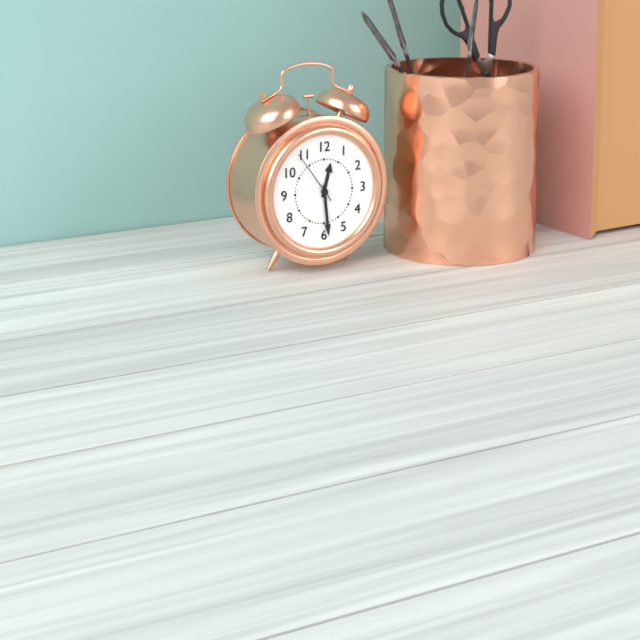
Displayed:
12,29,54
